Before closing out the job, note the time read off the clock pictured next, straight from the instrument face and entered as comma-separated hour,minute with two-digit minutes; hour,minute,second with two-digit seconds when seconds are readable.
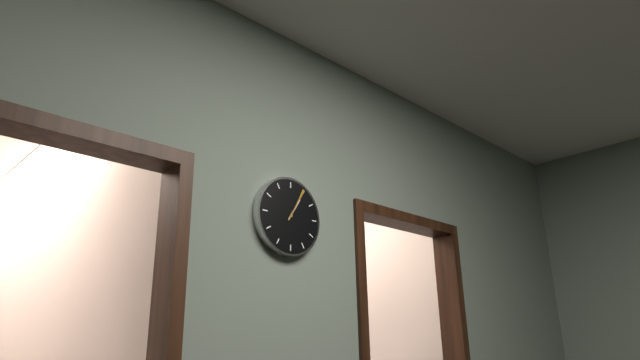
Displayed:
1,05
